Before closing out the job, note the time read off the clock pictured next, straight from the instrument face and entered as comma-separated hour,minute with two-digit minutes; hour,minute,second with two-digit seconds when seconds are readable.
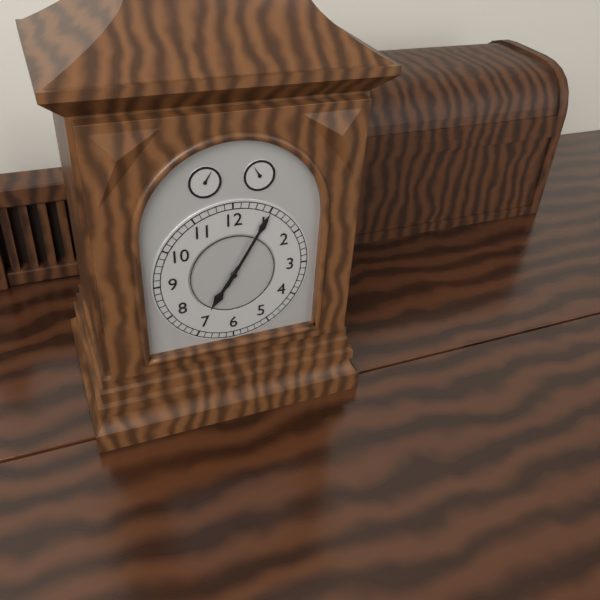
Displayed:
7,05
